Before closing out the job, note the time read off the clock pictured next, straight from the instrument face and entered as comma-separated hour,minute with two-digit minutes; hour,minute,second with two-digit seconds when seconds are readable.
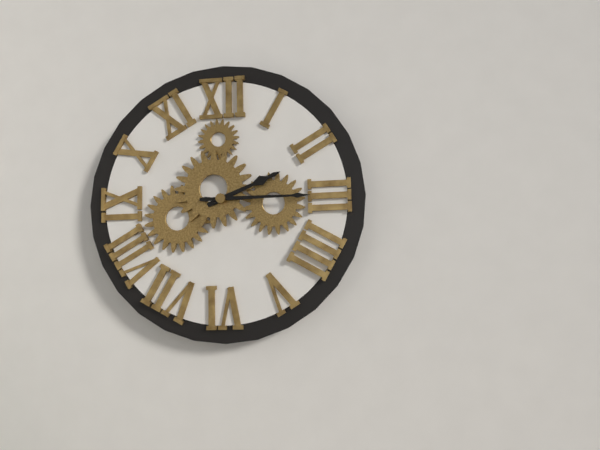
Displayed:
2,15
